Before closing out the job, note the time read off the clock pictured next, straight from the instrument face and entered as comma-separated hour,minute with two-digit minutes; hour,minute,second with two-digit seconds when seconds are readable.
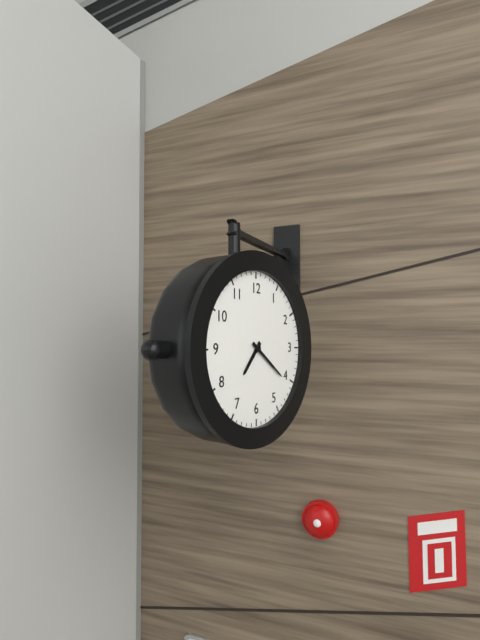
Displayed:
7,21
